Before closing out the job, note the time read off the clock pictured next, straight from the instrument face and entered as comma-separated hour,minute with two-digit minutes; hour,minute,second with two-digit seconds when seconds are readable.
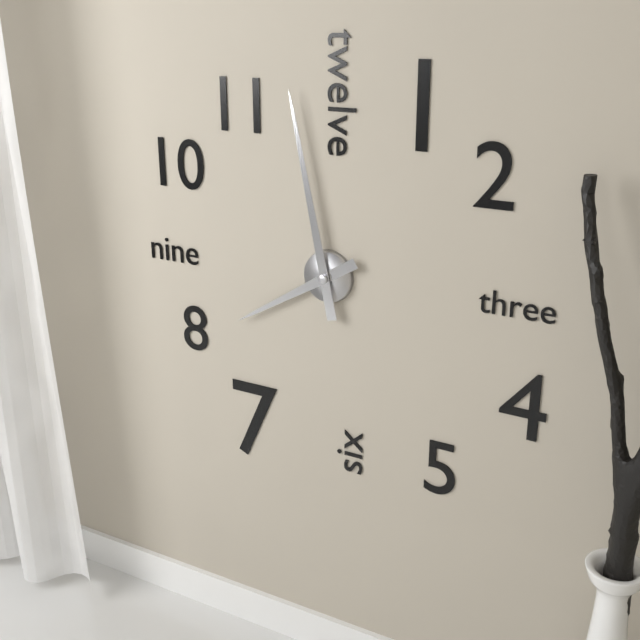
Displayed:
7,58
